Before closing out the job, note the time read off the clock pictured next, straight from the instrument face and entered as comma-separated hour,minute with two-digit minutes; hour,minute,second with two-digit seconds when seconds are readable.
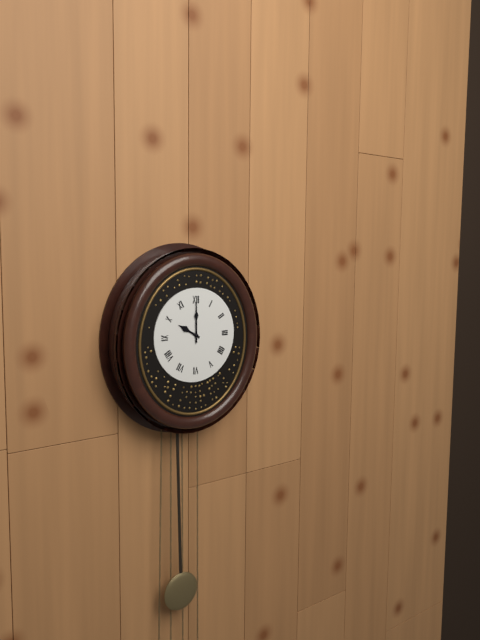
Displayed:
10,00
